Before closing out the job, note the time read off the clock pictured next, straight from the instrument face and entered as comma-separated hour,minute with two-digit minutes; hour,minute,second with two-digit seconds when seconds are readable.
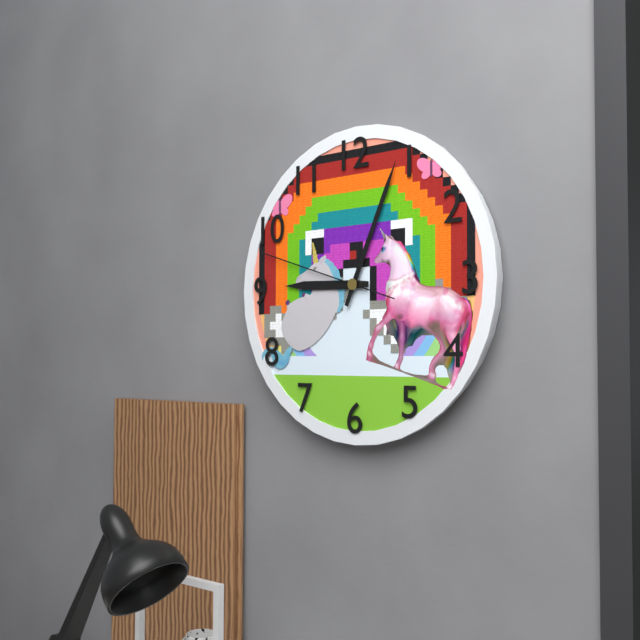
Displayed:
9,04,48
